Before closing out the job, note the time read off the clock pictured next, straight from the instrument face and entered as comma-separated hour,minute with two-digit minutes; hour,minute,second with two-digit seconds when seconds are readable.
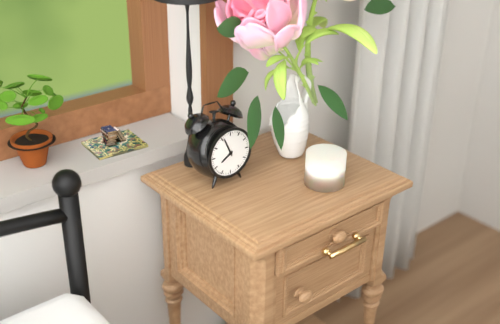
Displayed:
7,56
